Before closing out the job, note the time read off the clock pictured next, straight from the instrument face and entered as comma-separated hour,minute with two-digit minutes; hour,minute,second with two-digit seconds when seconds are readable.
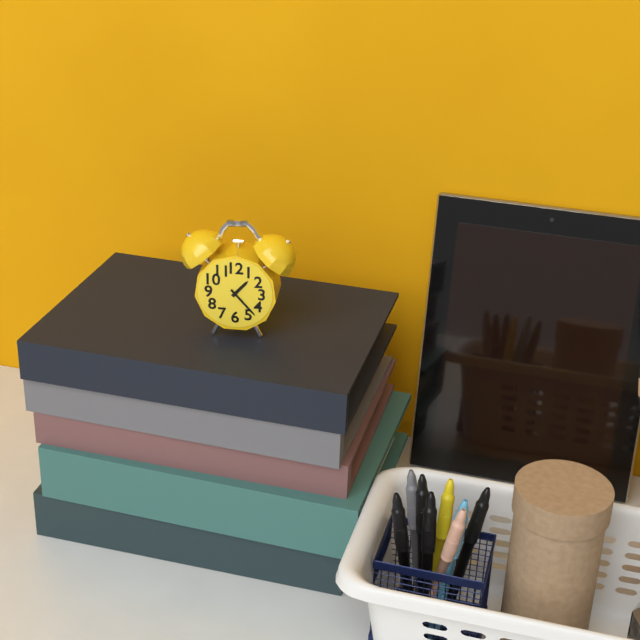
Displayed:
1,23
